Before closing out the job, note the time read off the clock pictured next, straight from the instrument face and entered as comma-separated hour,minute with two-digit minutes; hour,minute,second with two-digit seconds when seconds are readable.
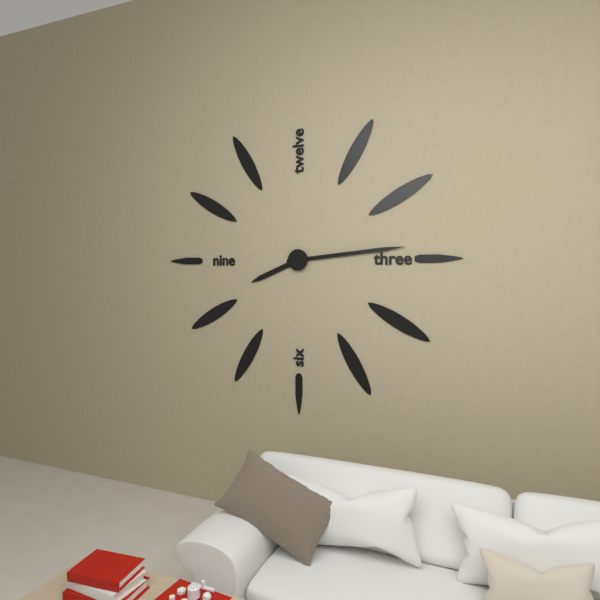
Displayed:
8,14
